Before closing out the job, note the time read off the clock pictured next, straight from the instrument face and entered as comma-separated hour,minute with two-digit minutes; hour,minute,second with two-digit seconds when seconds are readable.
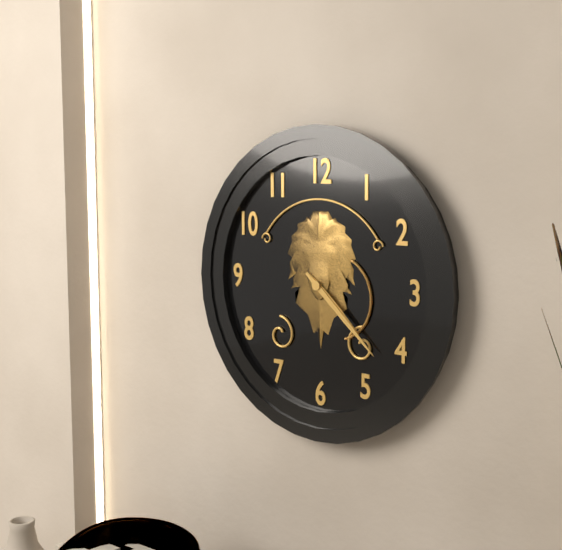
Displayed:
4,22
